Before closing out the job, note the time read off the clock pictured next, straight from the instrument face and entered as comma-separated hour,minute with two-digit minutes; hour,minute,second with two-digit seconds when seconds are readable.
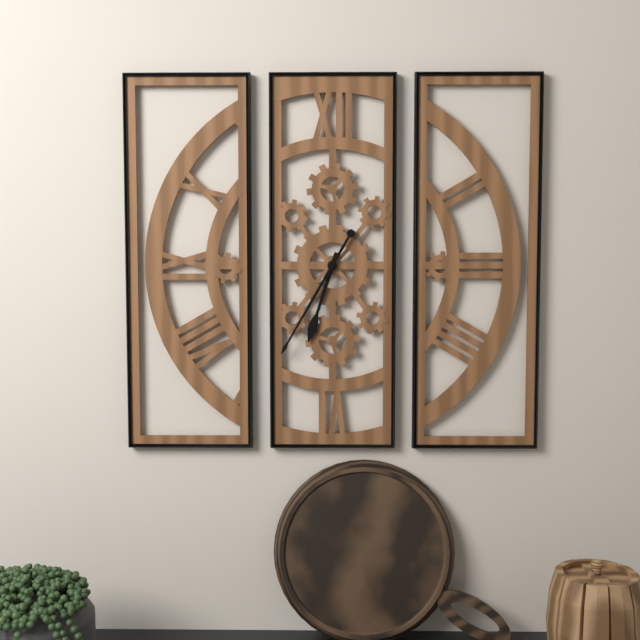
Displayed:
6,35
